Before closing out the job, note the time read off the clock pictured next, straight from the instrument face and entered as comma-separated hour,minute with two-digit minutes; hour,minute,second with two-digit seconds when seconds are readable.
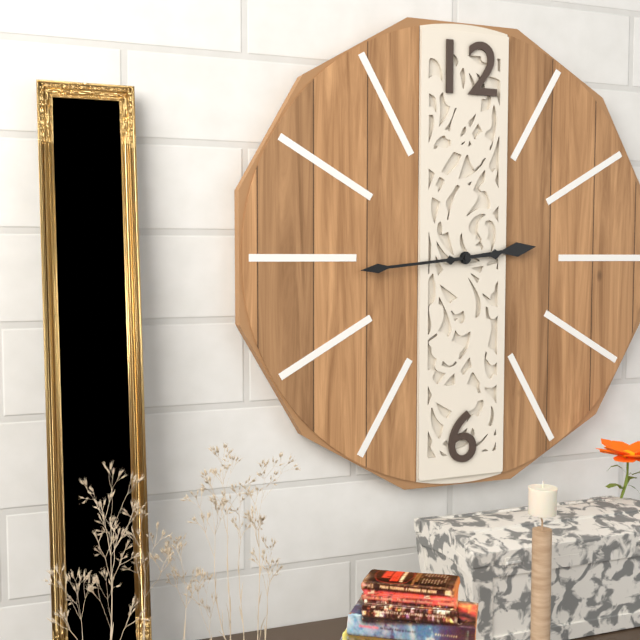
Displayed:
2,44
